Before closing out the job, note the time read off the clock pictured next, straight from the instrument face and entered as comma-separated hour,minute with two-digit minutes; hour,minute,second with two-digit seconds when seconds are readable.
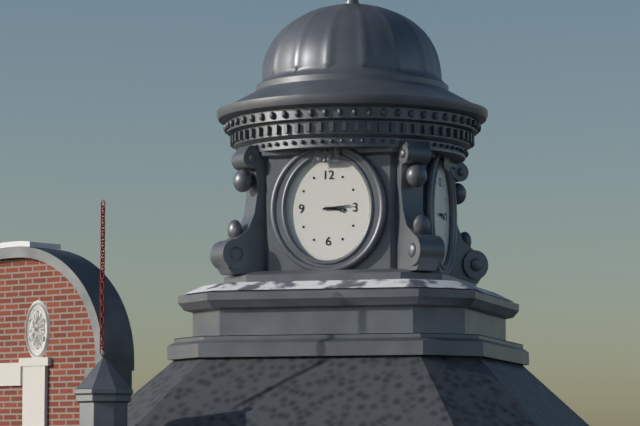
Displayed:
3,14
